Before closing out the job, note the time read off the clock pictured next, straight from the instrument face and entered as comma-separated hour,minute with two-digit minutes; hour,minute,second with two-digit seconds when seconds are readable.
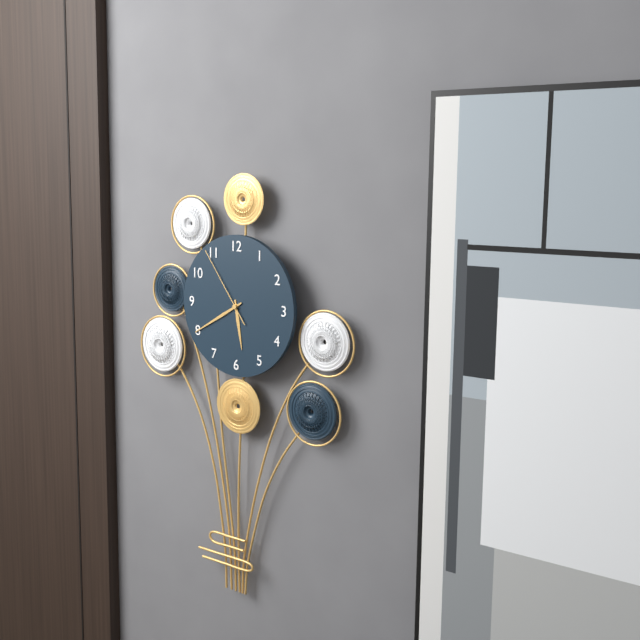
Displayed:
5,40,54
